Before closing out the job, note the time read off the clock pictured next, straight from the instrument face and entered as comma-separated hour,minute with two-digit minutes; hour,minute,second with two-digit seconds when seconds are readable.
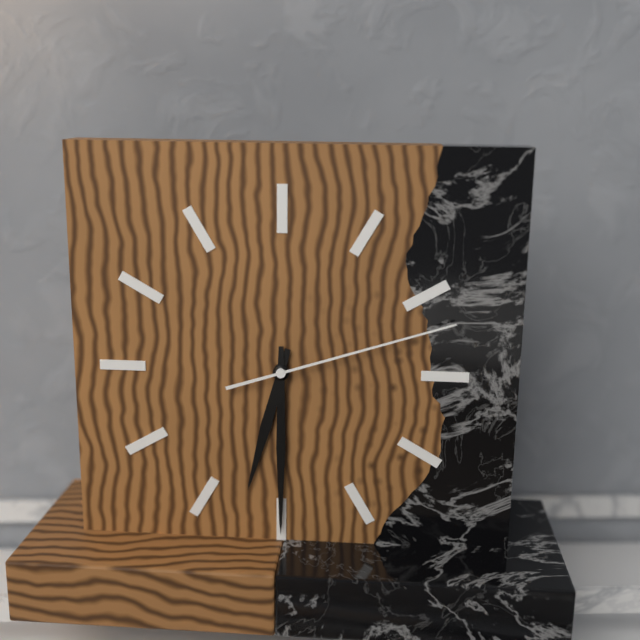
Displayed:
6,30,12
